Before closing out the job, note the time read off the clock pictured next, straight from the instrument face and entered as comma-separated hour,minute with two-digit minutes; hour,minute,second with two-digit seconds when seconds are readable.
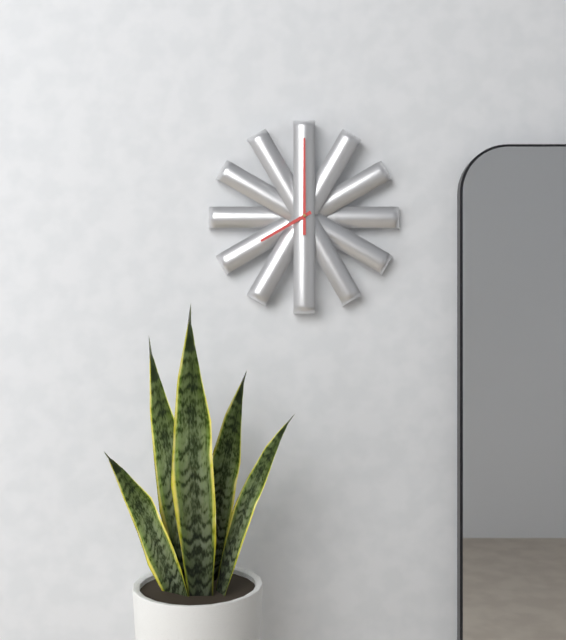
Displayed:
8,00
